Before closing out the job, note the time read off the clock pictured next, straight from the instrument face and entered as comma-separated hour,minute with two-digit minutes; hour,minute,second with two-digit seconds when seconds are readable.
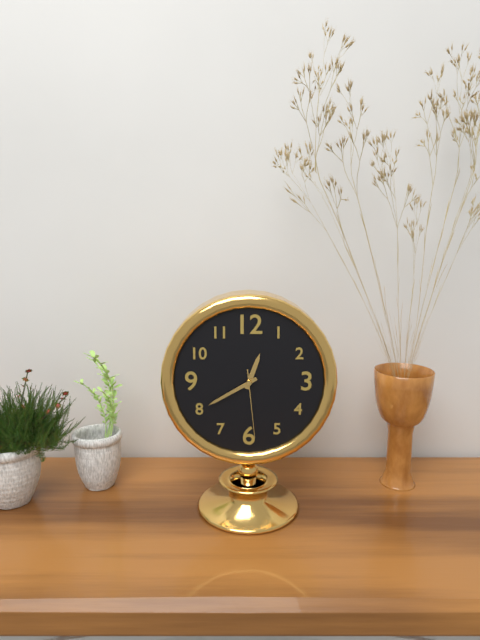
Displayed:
12,40,29
